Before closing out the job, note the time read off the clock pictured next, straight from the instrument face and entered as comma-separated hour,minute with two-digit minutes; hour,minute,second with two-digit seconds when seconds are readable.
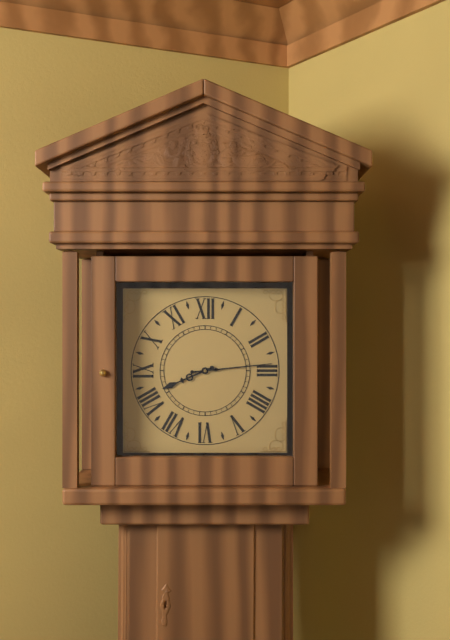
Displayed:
8,14
